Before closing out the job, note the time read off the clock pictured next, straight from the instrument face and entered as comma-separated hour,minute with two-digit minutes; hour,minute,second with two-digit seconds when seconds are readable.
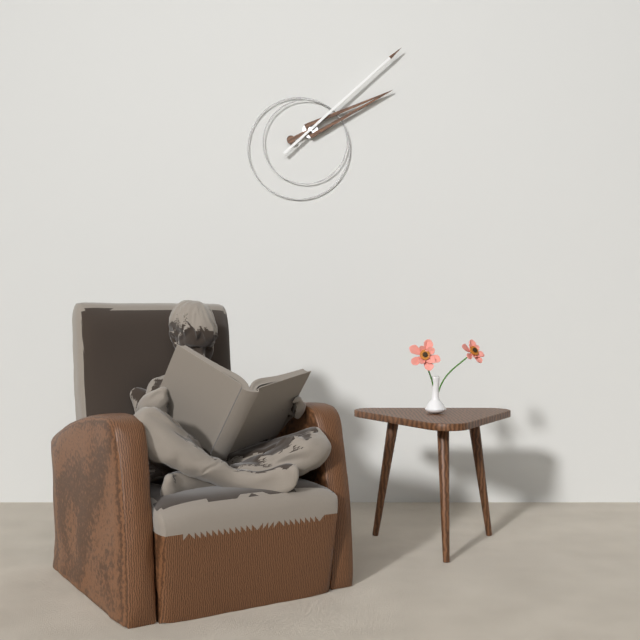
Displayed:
2,08
